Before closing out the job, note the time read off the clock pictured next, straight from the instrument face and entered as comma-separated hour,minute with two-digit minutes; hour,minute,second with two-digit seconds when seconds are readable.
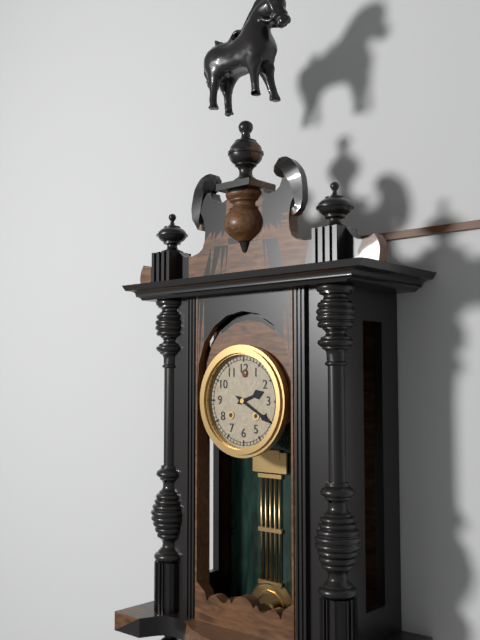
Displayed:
2,20
